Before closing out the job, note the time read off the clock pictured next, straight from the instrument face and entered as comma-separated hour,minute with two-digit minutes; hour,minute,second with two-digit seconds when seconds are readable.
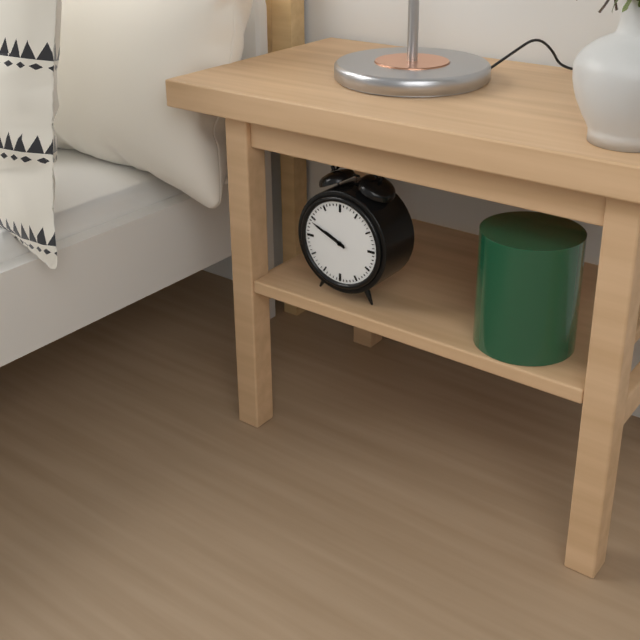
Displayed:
9,49
